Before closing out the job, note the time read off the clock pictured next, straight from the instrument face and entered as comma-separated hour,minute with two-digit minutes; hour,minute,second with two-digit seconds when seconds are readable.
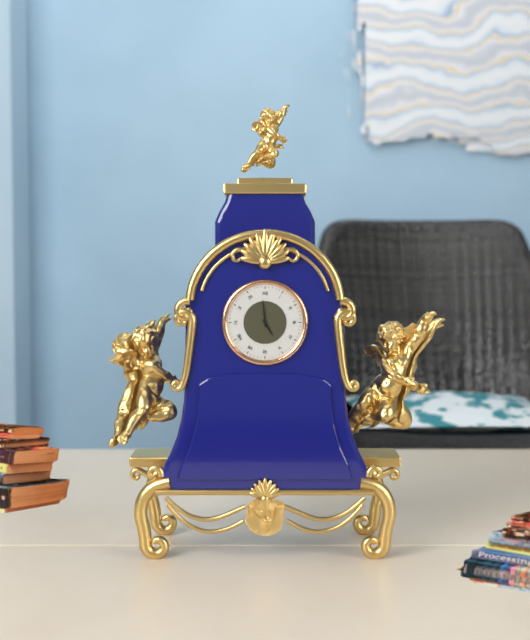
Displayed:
4,59
